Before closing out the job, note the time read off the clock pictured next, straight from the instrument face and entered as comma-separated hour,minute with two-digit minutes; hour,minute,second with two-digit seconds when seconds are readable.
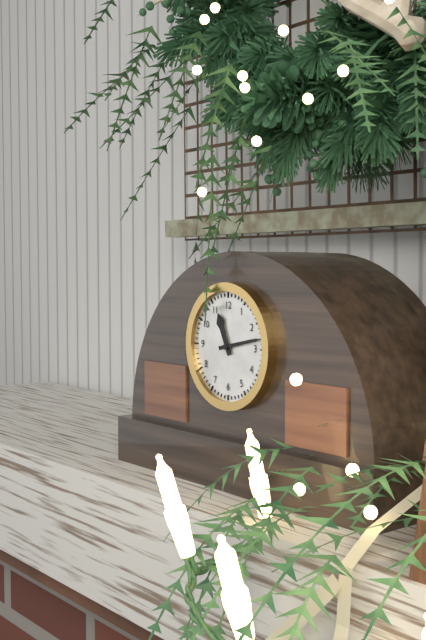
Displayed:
11,13
